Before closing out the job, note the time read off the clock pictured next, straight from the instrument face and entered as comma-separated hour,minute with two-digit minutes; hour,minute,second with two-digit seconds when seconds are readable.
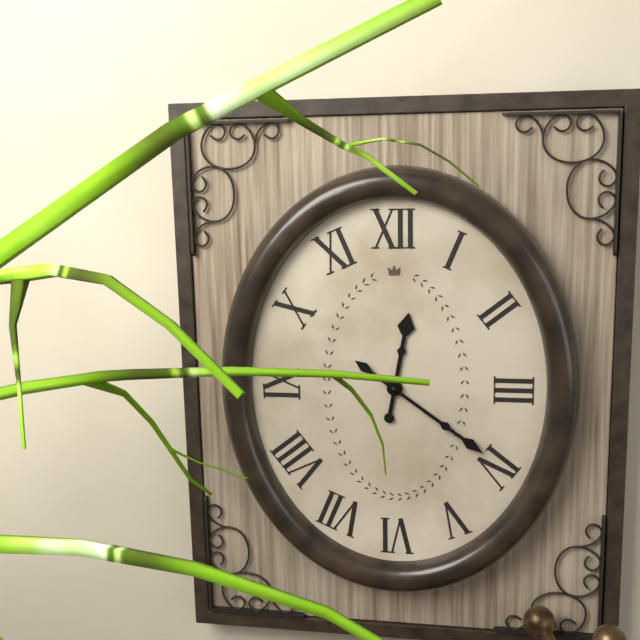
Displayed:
12,21
